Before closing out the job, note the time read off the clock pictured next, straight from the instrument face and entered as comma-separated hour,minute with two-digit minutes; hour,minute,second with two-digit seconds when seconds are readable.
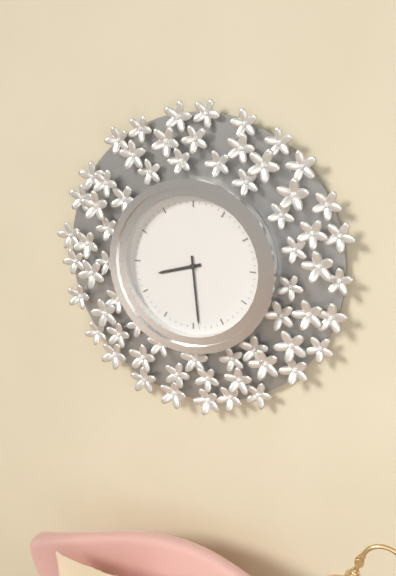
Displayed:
8,29
